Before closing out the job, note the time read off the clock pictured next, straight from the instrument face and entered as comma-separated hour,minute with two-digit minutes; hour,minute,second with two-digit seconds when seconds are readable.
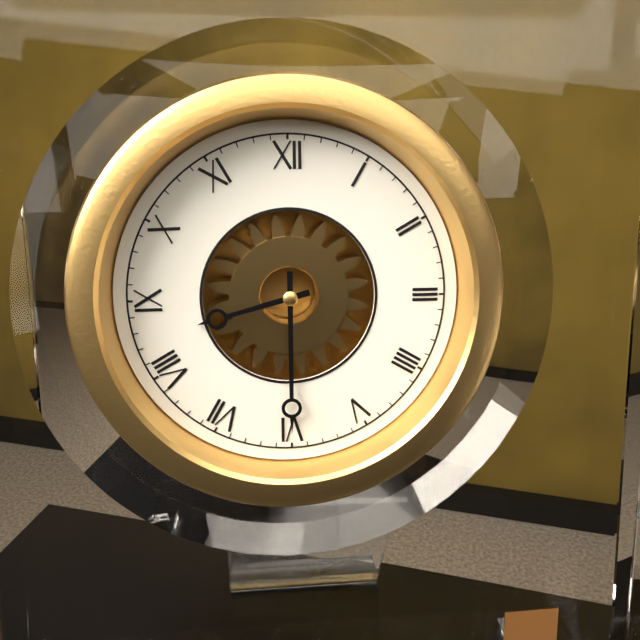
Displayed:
8,30
